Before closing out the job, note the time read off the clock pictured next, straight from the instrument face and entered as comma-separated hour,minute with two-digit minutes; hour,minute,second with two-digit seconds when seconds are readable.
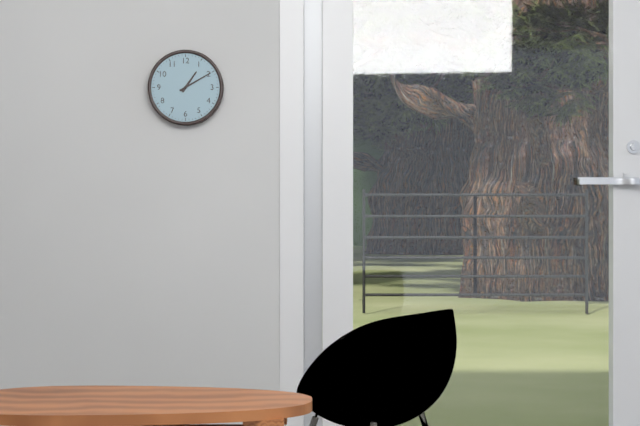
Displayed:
1,10
